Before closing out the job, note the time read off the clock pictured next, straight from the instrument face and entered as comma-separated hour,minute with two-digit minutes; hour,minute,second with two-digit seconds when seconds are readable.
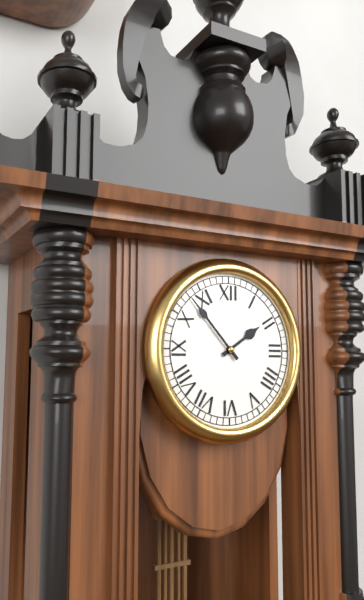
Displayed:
1,53
